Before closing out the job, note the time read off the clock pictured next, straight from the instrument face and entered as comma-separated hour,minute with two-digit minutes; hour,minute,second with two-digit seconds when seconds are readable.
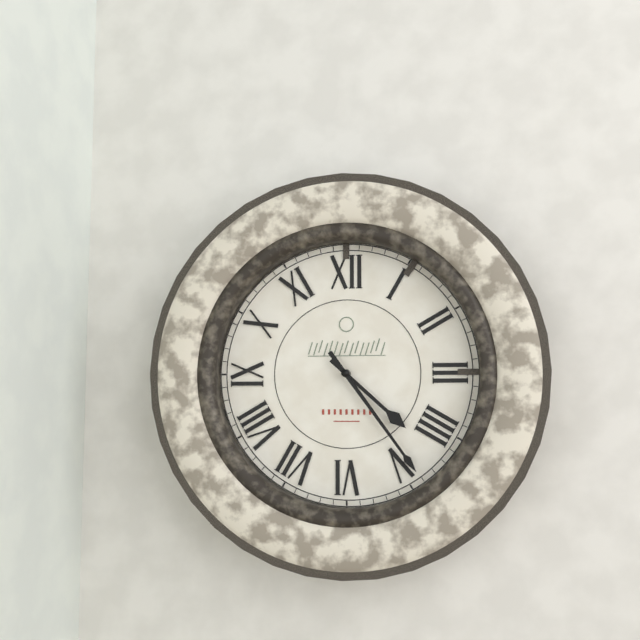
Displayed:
4,24
